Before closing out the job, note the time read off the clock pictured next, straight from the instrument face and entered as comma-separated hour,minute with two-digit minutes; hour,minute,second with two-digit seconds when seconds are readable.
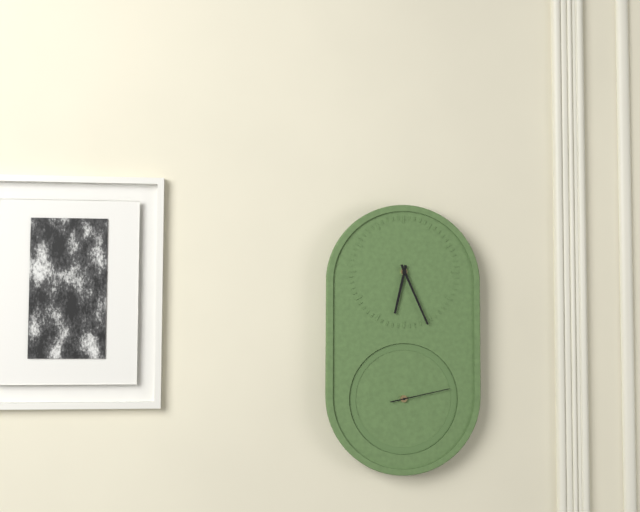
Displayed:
6,26,13
